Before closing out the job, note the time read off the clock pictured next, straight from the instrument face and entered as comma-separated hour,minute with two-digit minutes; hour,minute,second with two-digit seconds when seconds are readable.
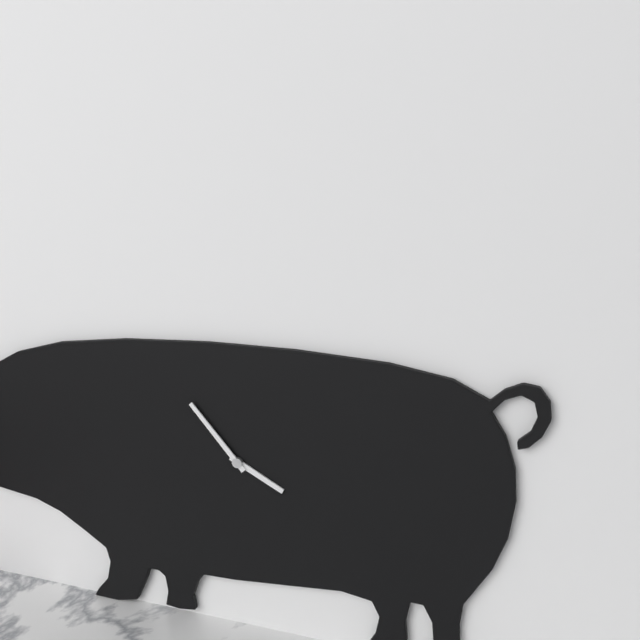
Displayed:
3,53
